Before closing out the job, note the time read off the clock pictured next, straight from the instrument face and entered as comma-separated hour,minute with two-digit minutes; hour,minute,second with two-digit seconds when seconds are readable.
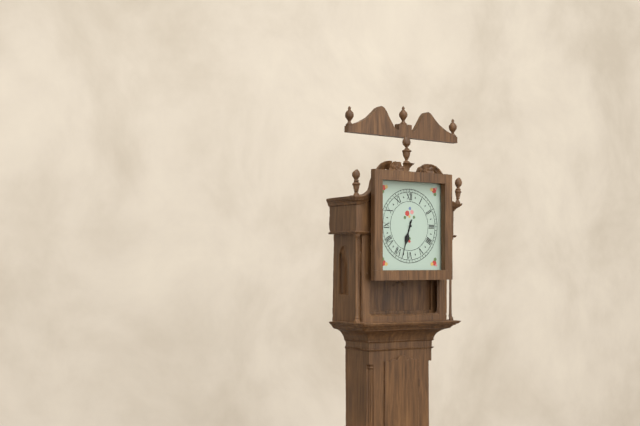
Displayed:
6,33
